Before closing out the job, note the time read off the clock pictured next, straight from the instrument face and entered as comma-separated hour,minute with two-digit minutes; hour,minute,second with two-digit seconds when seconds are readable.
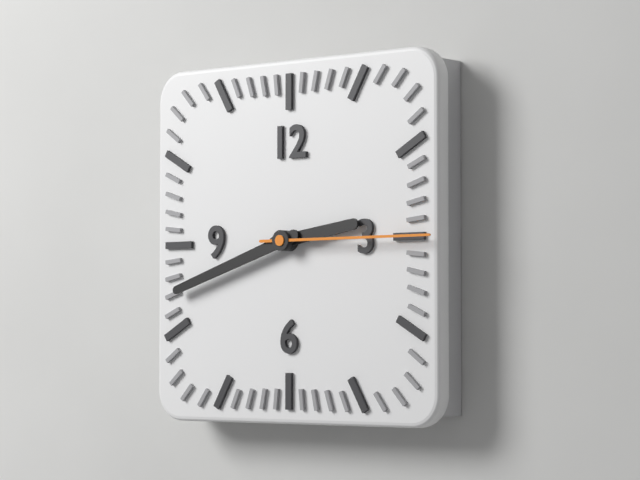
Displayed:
2,42,15
